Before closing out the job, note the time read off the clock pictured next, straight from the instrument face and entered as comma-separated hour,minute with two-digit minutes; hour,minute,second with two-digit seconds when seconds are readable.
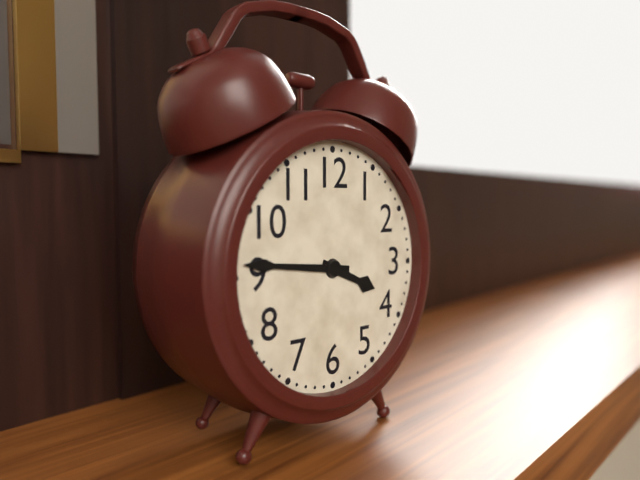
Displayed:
3,46
